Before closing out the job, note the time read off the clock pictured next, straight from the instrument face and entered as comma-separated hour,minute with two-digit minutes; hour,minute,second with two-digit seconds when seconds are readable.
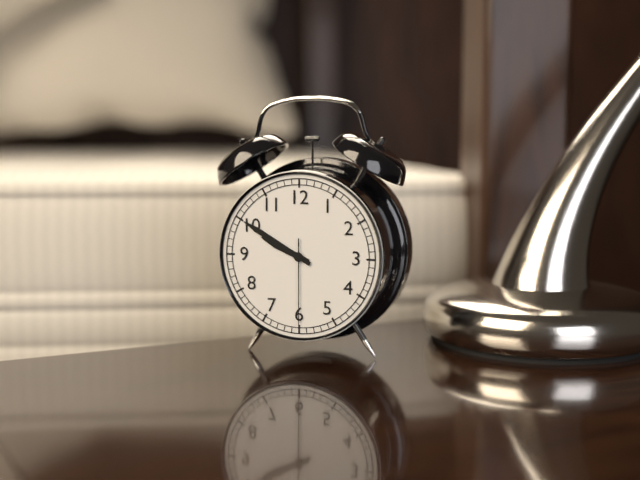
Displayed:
9,50,30
